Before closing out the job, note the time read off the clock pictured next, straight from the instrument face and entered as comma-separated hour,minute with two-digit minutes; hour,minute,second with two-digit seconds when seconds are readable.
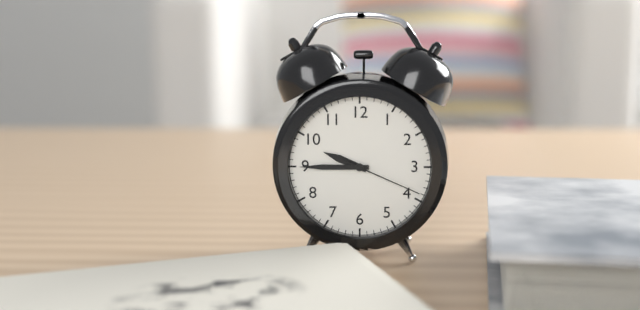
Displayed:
9,45,19
